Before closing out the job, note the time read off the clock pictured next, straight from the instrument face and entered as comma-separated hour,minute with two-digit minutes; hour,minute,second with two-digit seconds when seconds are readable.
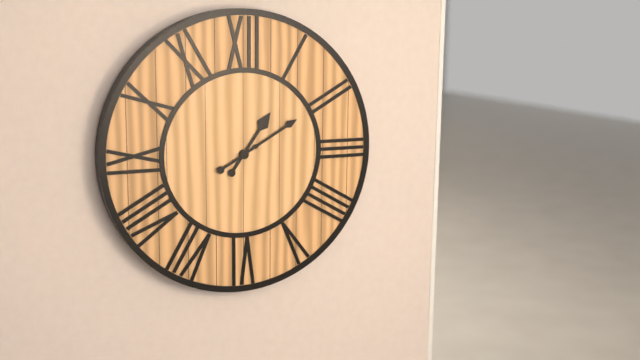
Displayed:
1,10
